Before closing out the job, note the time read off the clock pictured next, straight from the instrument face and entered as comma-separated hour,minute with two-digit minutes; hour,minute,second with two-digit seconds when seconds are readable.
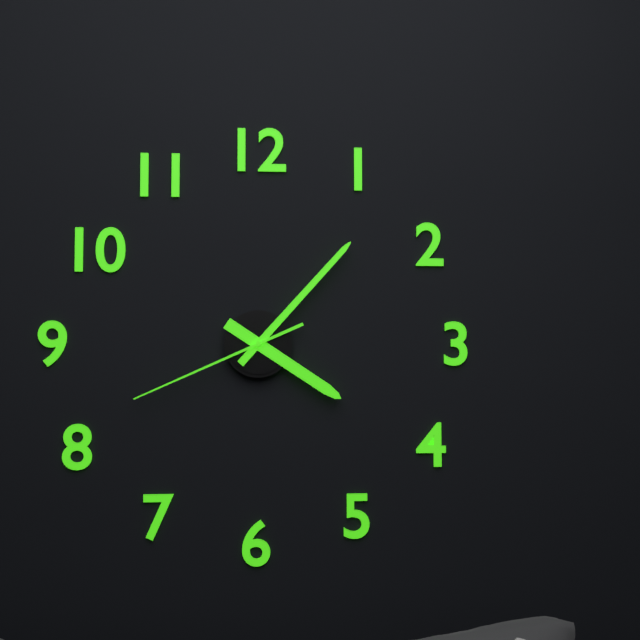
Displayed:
4,07,41
